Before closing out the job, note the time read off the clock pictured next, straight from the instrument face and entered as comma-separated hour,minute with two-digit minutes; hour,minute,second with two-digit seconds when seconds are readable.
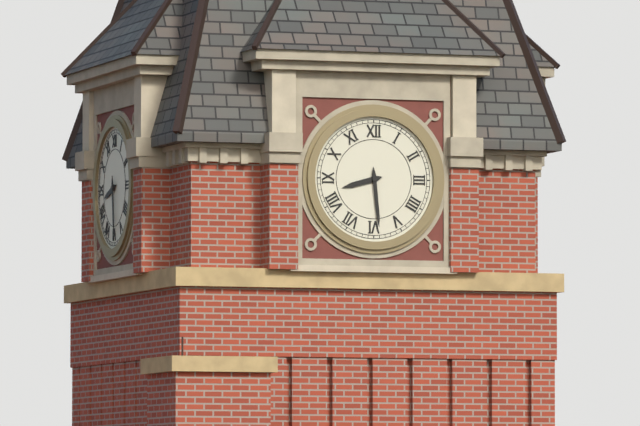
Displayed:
8,29
